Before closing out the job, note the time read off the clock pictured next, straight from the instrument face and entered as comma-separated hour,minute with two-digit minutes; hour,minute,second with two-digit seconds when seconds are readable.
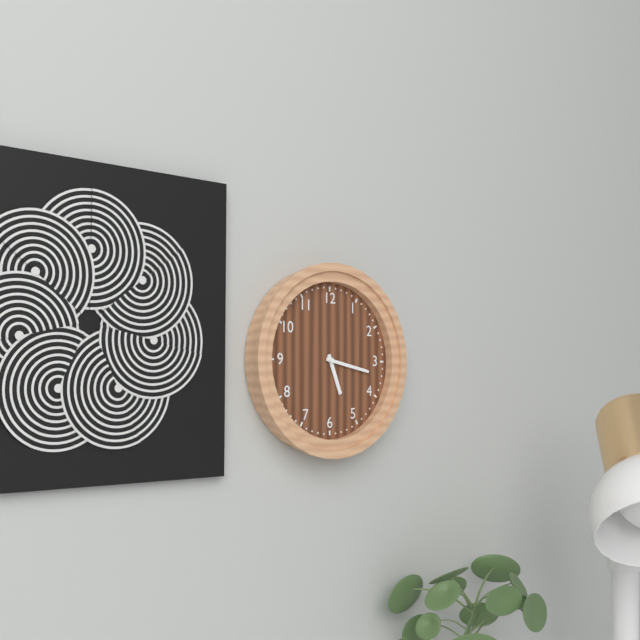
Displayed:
5,17
